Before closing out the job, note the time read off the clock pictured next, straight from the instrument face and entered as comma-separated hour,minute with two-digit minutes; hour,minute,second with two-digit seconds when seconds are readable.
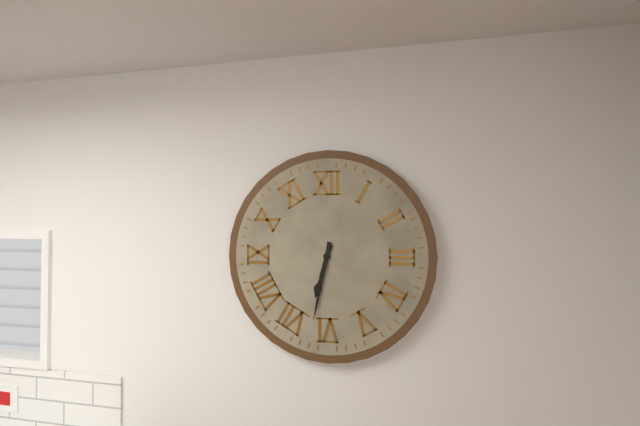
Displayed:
6,32
